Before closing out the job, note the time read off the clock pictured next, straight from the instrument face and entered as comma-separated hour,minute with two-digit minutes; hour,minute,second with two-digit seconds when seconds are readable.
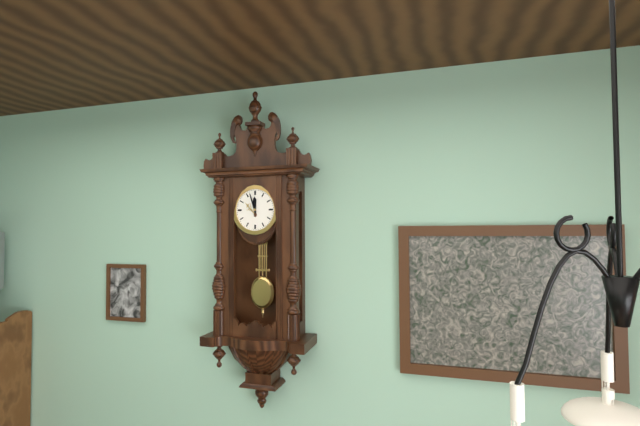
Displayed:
11,57
